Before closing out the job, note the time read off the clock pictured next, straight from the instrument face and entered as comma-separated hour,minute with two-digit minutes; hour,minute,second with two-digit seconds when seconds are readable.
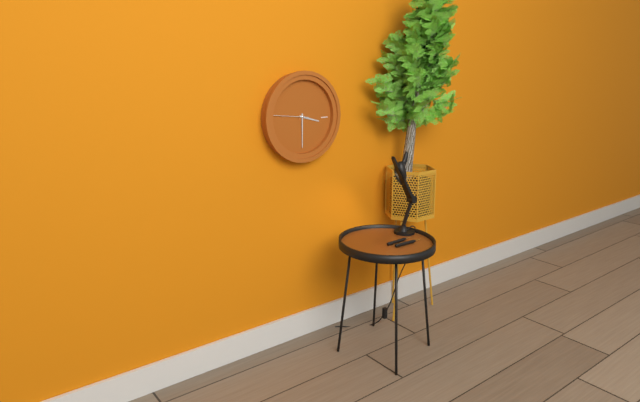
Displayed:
3,30
